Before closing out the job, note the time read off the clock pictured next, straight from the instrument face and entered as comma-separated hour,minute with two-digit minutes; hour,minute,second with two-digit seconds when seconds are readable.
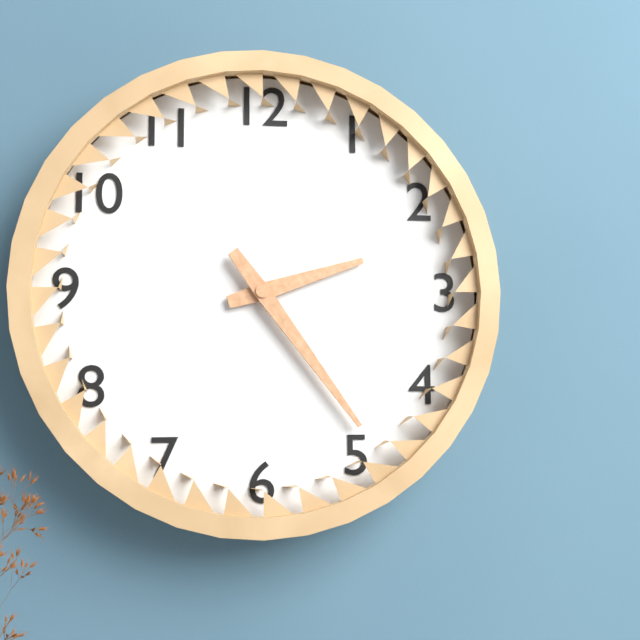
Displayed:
2,24
